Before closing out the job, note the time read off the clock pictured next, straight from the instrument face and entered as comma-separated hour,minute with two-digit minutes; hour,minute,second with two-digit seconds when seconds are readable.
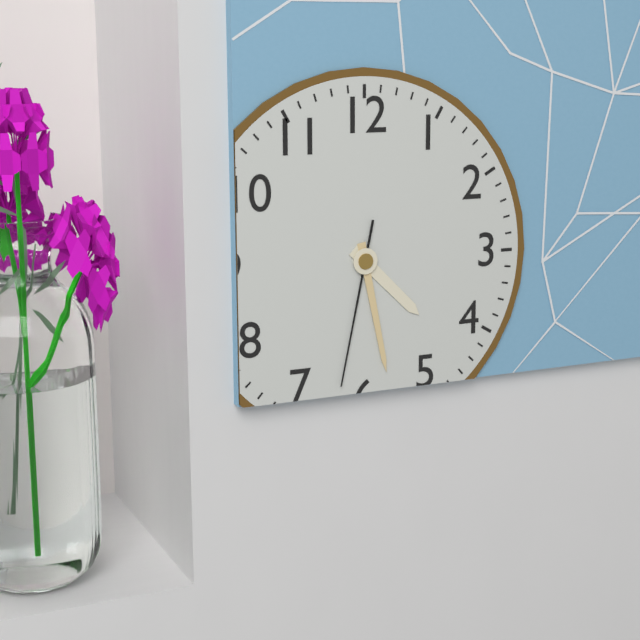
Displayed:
4,28,32
